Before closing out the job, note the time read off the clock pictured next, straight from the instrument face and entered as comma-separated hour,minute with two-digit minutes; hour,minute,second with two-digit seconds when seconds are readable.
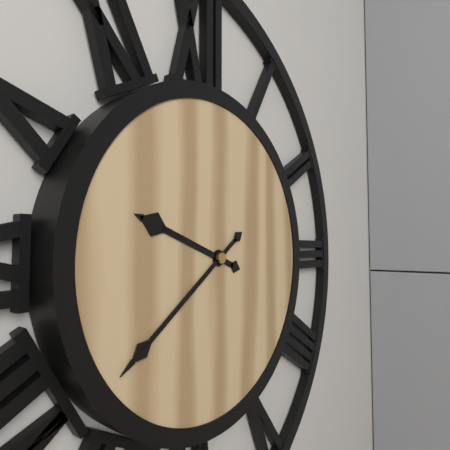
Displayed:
9,39
